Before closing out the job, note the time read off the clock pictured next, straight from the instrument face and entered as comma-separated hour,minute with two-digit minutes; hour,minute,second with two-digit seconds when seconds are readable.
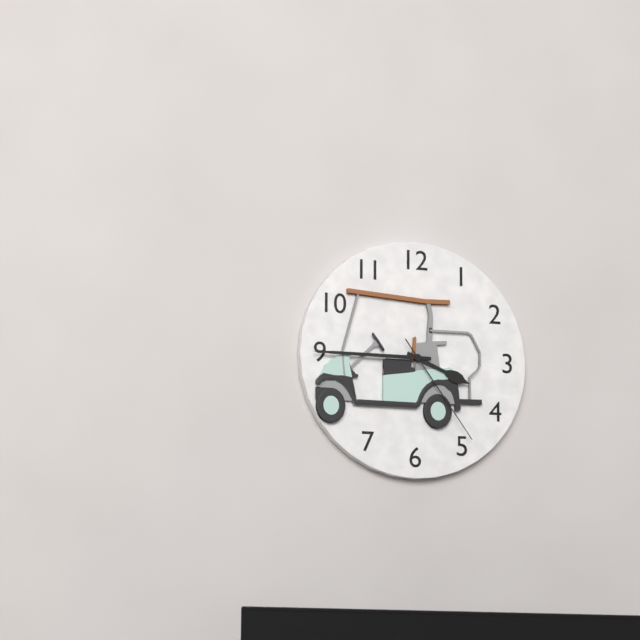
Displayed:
3,45,24
